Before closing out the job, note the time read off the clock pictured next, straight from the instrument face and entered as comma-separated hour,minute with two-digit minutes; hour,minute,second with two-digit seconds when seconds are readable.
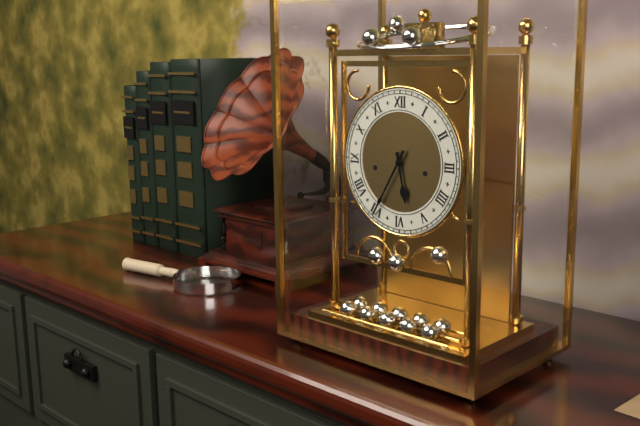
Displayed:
5,35
